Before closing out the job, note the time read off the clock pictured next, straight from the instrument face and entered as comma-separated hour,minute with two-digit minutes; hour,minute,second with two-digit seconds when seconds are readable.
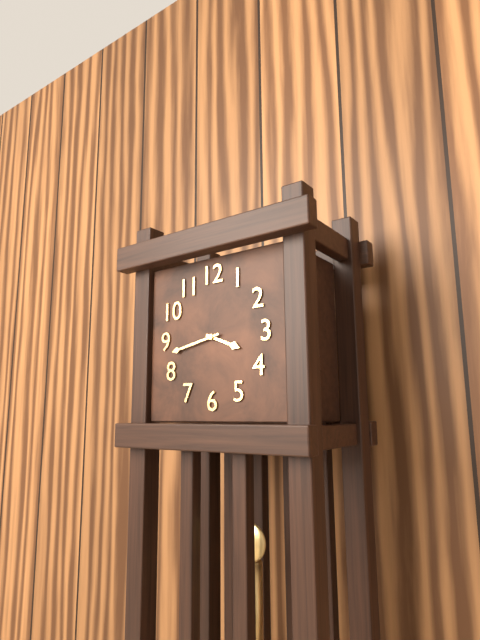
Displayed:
3,43
